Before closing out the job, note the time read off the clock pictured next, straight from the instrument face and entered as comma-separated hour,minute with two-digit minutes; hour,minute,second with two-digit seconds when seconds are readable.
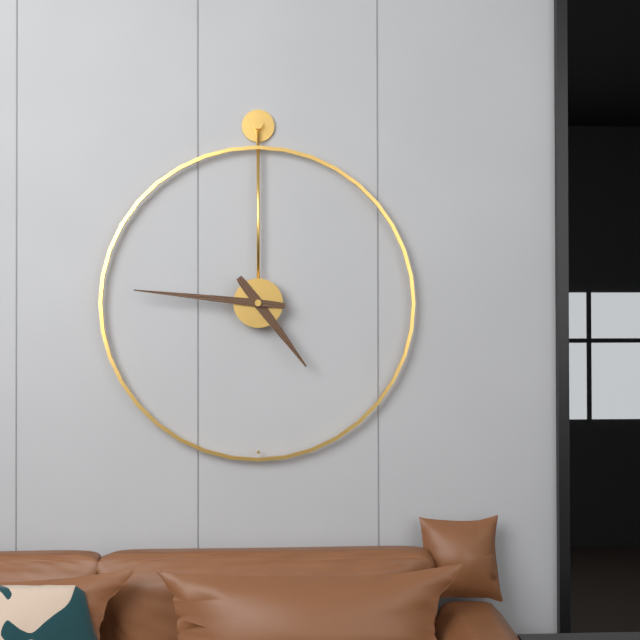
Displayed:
4,46
